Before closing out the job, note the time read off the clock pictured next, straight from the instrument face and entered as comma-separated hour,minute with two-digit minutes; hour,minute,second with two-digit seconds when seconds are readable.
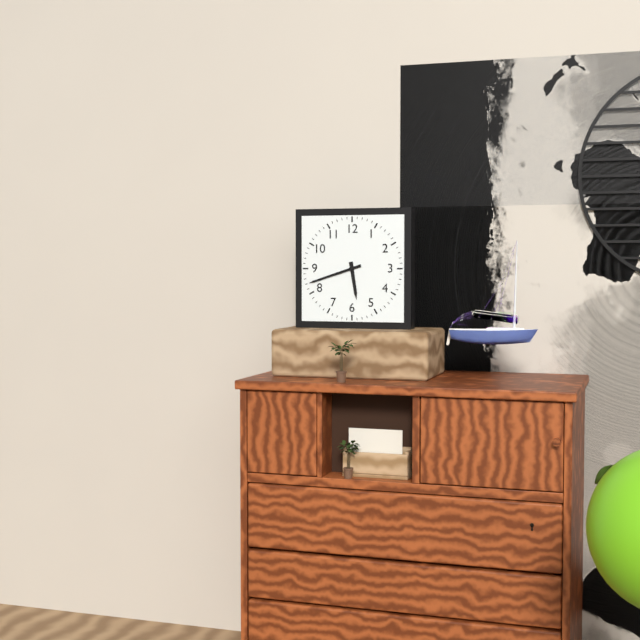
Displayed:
5,42
